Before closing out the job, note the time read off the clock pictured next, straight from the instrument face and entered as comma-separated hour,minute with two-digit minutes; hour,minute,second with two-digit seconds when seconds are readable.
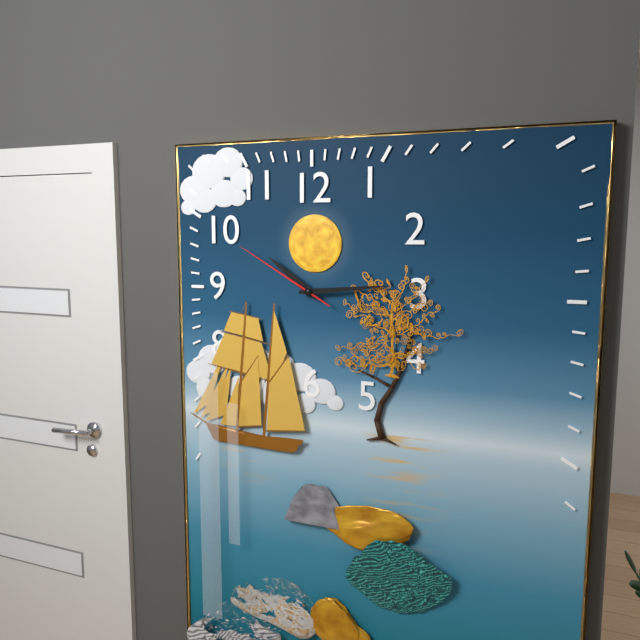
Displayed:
10,14,50
